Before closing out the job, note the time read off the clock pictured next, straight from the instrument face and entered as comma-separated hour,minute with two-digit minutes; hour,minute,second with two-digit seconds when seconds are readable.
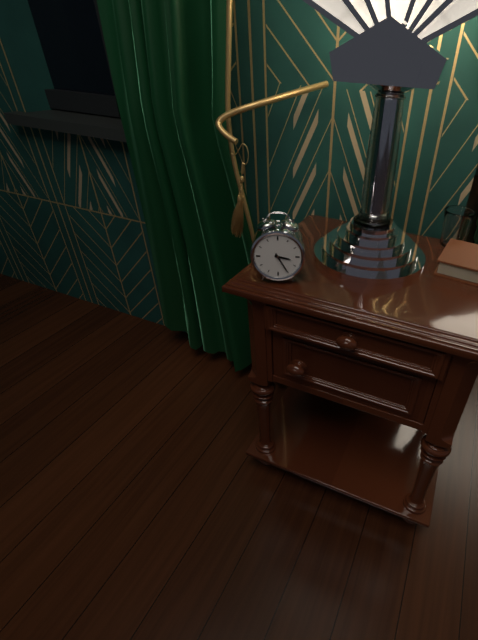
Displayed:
3,25
